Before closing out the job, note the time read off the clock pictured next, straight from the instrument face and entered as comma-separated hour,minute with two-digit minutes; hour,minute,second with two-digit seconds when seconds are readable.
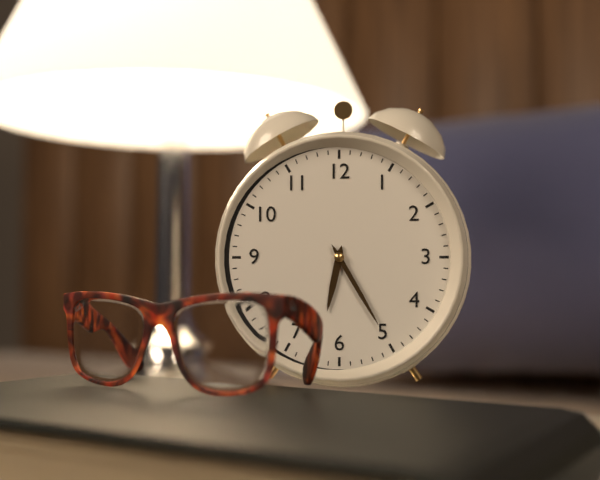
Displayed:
6,25
